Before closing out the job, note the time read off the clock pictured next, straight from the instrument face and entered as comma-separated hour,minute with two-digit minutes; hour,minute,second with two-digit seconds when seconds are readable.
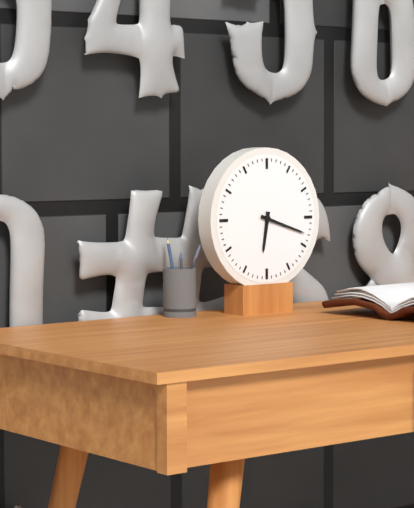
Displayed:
6,18
